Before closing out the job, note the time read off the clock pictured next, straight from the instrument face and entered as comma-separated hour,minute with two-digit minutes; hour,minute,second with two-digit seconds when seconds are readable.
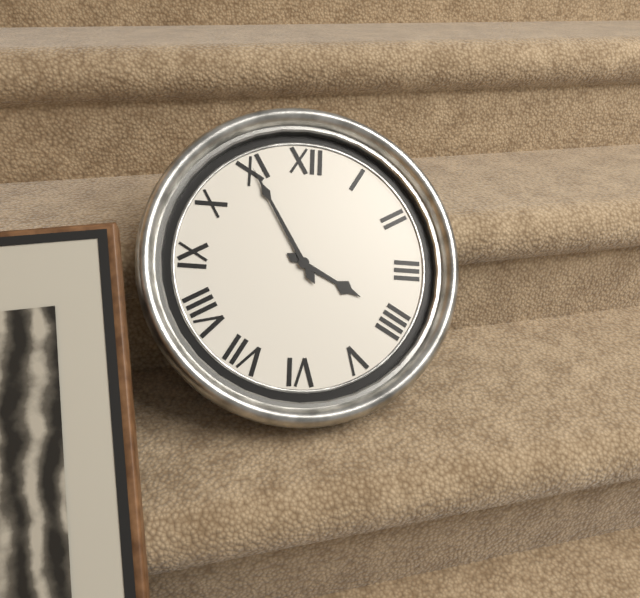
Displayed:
3,55
